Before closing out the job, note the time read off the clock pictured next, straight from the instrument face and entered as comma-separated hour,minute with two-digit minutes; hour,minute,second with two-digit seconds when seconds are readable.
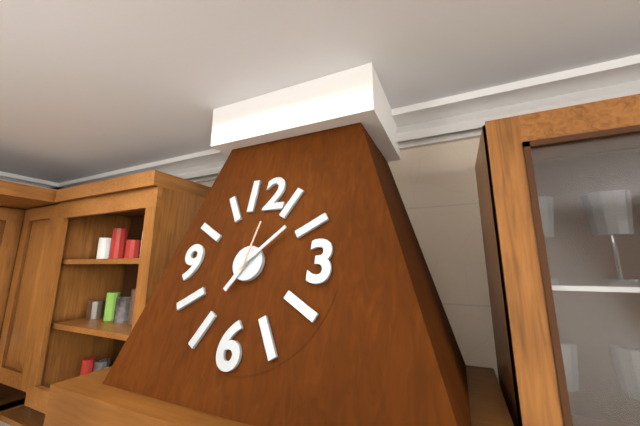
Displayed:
7,08,02
